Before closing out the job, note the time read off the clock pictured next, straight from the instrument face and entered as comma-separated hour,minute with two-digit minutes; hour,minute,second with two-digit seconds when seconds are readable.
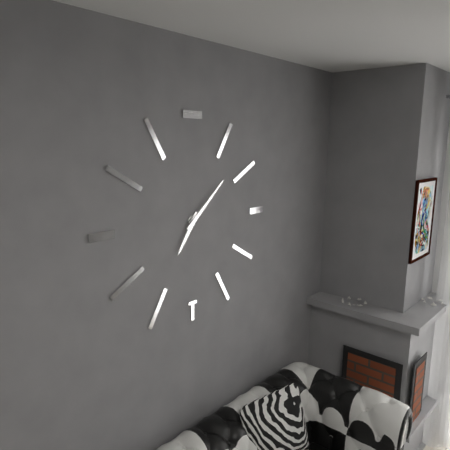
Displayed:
7,08
